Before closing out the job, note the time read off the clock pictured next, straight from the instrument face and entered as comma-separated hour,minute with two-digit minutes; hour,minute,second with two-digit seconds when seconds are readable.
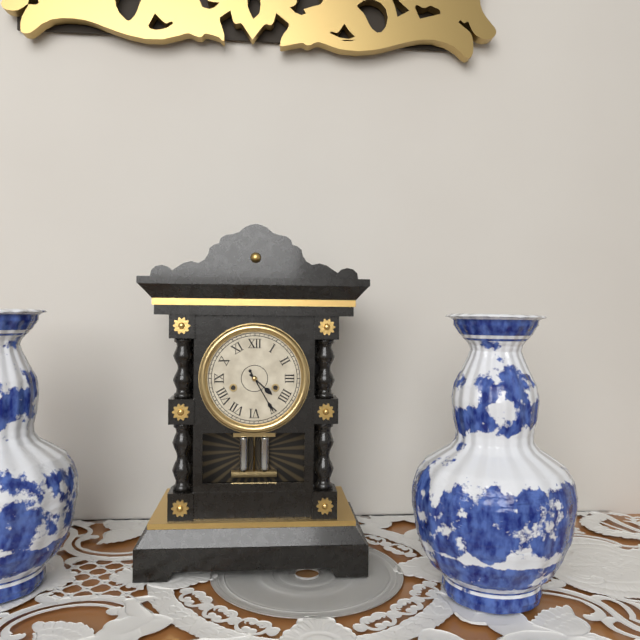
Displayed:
4,25
